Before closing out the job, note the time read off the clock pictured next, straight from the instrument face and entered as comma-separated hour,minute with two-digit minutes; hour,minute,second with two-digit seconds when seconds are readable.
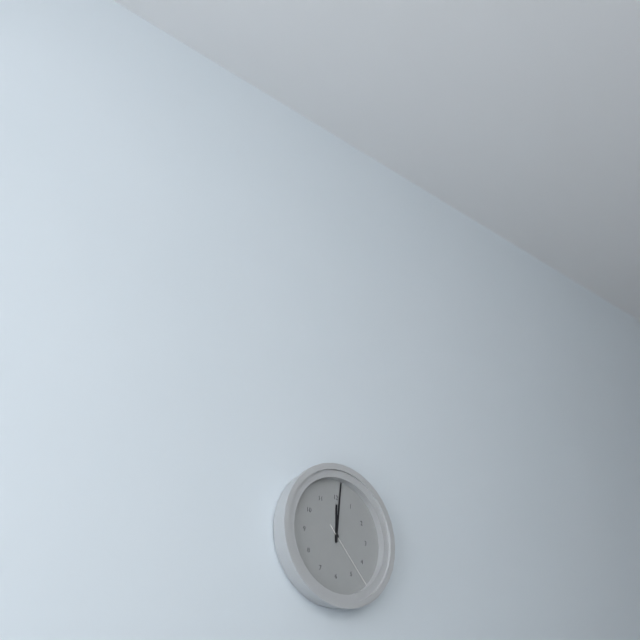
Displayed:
12,01,23
